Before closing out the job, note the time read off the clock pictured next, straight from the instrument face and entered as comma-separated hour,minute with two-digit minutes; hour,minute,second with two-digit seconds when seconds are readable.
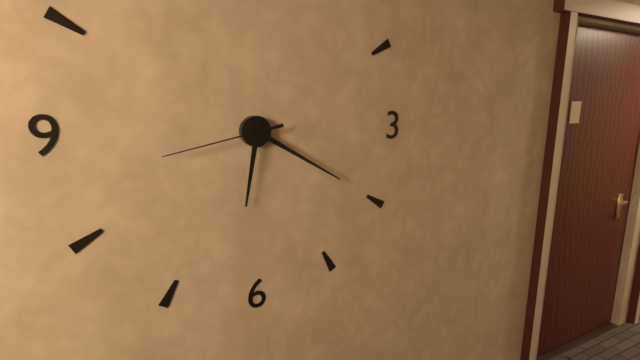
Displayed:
6,20,43
